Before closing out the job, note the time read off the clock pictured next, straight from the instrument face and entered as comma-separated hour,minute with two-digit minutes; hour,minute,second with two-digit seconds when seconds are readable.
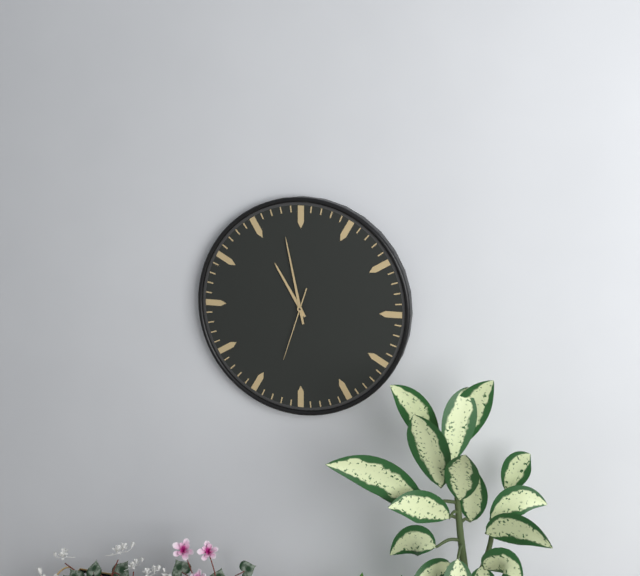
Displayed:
10,58,33
